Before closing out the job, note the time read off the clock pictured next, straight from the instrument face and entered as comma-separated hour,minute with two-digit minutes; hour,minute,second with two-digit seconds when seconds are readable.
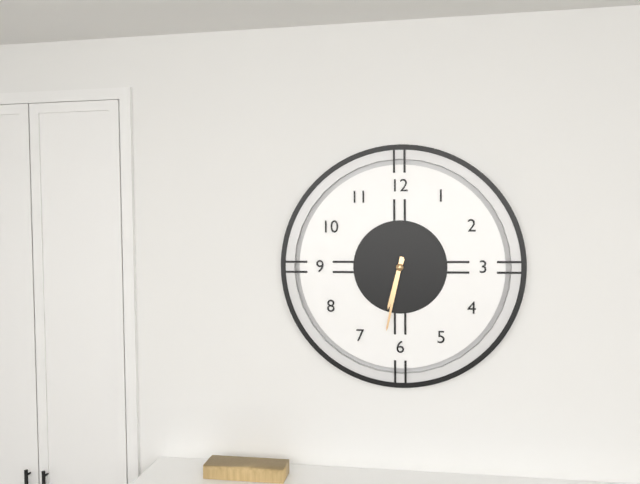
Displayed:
6,32
